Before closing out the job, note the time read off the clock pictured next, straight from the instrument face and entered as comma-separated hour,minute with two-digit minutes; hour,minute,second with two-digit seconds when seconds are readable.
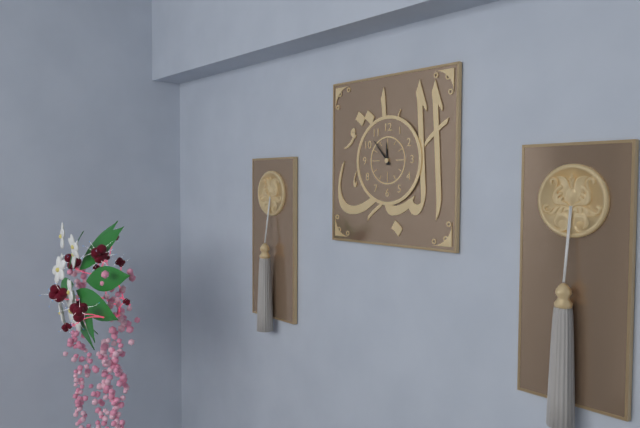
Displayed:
11,53
